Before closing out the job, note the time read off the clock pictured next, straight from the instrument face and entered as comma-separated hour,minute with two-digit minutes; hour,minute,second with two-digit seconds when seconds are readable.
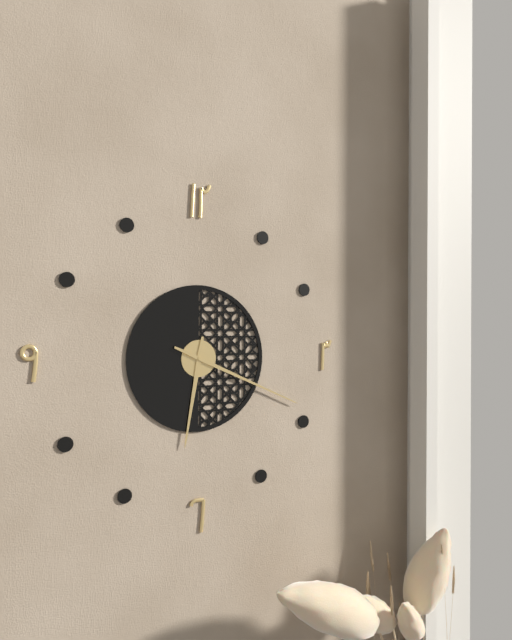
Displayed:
6,19
